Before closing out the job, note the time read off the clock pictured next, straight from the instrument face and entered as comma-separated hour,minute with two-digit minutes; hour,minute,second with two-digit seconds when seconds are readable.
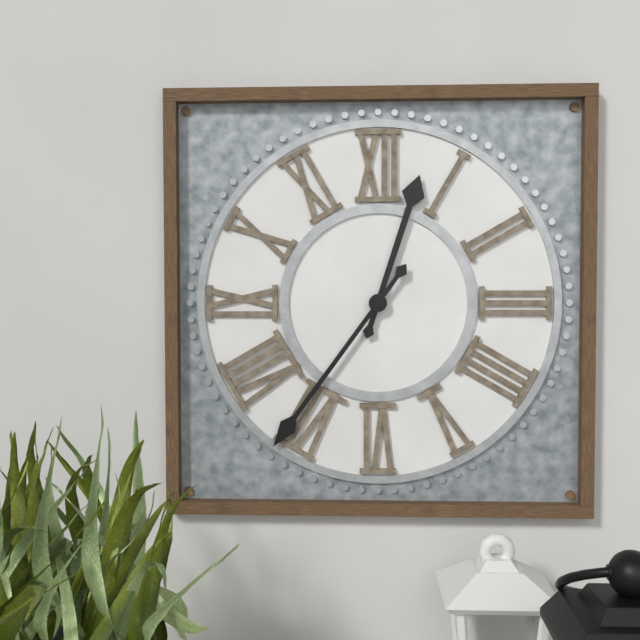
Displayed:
12,36
